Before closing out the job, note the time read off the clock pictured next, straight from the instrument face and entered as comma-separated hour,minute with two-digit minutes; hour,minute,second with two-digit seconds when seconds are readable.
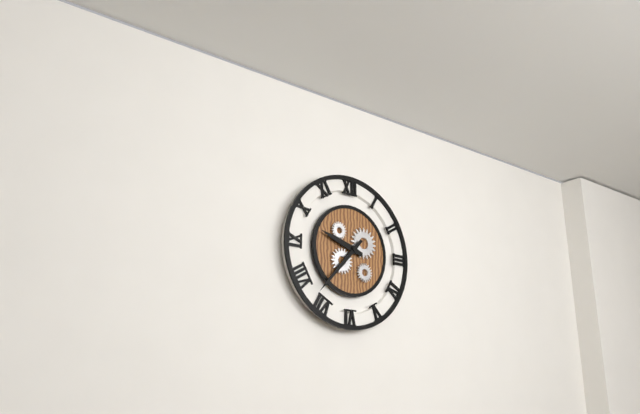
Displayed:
9,37
